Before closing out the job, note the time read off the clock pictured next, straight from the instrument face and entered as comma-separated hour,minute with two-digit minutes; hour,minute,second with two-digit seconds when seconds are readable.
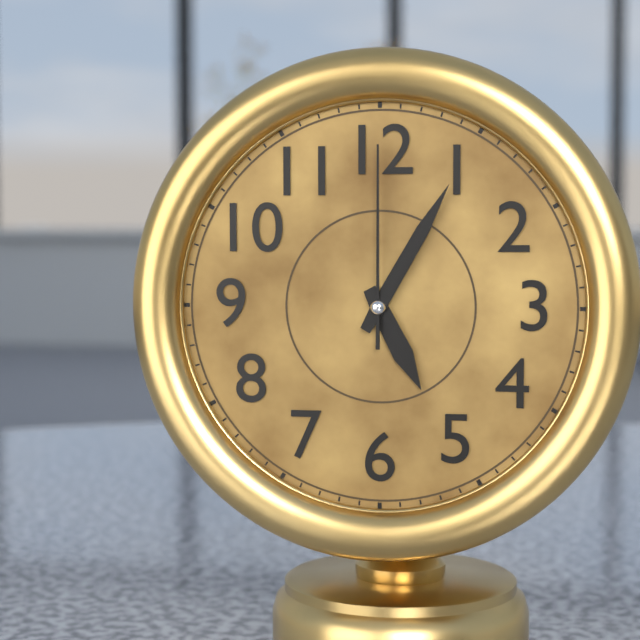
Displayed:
5,05,00
